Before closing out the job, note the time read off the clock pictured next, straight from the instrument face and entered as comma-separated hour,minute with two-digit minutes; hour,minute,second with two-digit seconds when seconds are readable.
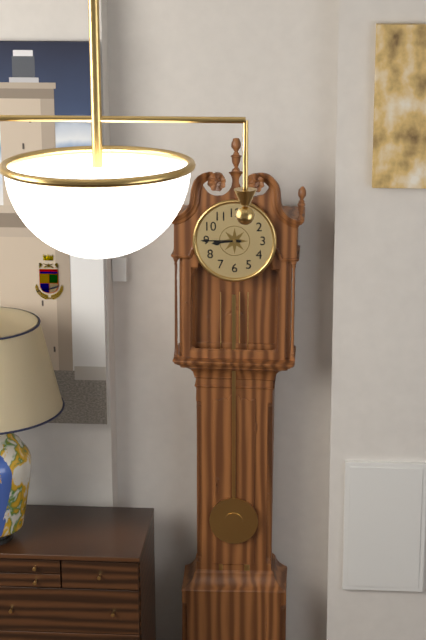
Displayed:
8,45
